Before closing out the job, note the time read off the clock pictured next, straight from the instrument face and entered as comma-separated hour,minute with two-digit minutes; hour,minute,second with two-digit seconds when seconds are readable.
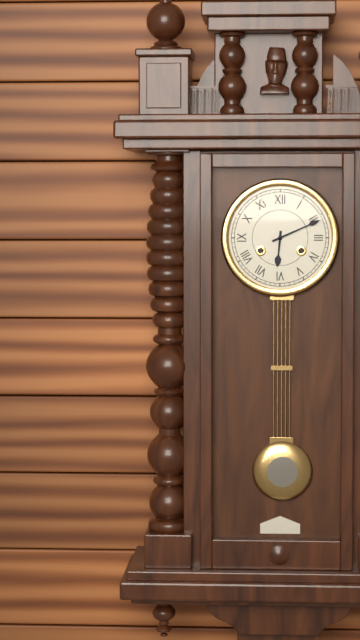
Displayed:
6,11
